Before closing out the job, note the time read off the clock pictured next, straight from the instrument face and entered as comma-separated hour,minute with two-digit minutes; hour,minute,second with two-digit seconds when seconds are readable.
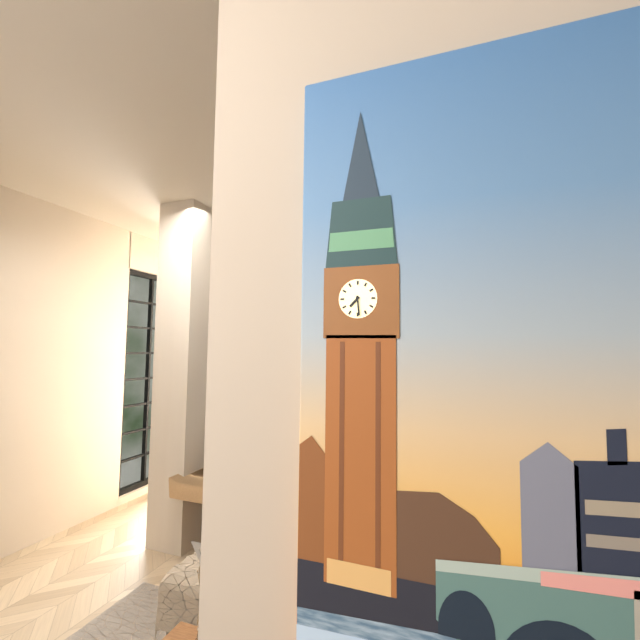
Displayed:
7,29
